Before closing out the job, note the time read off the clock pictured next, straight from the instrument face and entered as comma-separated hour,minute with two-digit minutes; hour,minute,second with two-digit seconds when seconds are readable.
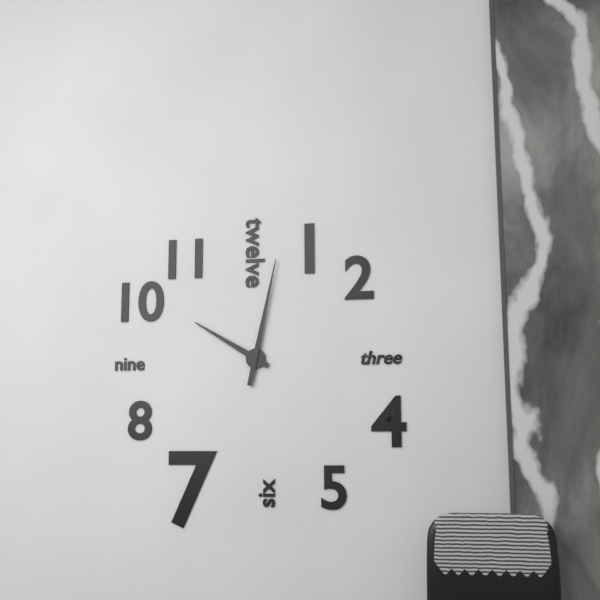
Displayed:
10,02
